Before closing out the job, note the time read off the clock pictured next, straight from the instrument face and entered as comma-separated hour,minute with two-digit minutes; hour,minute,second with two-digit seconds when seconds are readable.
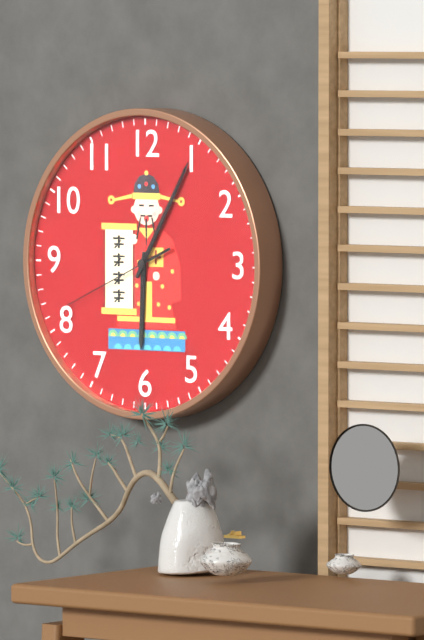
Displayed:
6,05,41
